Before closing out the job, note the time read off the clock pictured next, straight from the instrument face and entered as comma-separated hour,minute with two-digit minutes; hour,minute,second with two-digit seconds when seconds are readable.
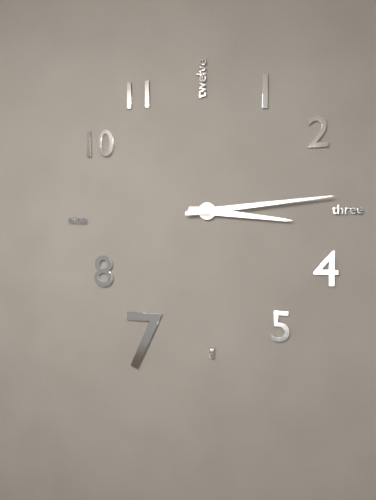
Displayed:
3,14
